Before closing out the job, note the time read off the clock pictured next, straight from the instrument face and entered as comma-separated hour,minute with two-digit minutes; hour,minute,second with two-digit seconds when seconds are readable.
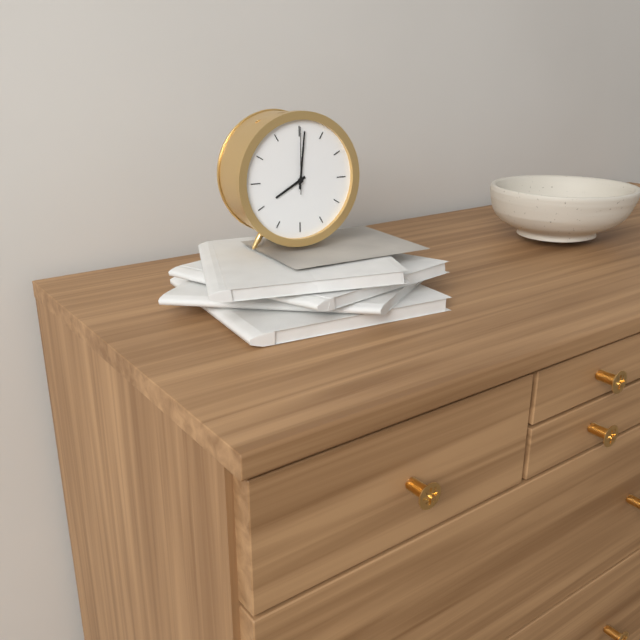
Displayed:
8,01,00
